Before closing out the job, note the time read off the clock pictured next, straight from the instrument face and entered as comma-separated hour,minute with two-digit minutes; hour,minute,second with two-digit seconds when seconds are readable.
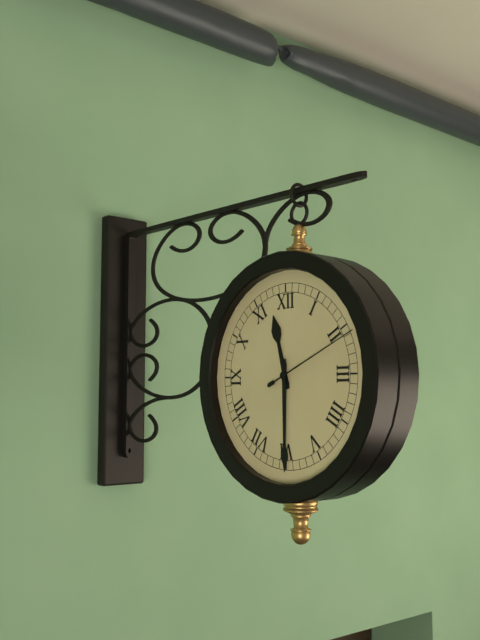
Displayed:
11,30,11
